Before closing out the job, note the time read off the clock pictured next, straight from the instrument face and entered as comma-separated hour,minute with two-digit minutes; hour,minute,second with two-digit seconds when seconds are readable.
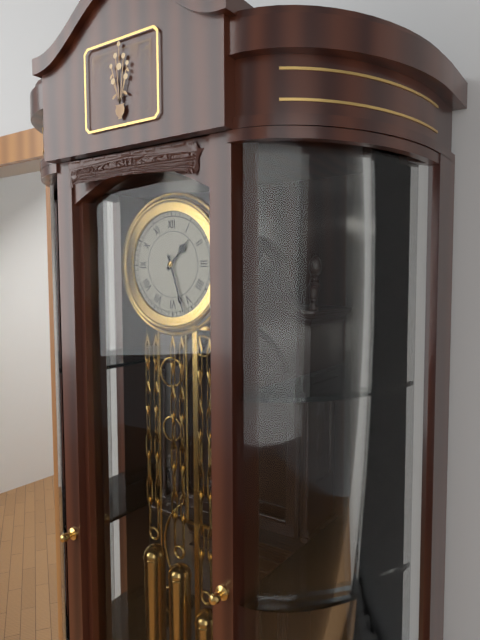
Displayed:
1,27
